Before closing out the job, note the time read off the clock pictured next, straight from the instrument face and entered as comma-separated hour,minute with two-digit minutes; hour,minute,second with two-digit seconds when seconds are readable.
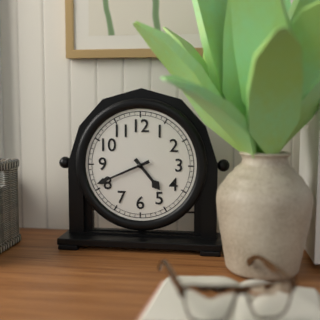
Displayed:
4,41
